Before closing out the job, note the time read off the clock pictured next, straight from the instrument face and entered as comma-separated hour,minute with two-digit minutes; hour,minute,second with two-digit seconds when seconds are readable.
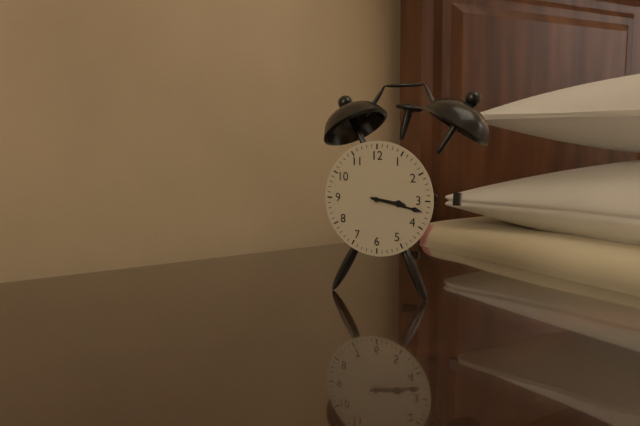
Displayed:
3,17
